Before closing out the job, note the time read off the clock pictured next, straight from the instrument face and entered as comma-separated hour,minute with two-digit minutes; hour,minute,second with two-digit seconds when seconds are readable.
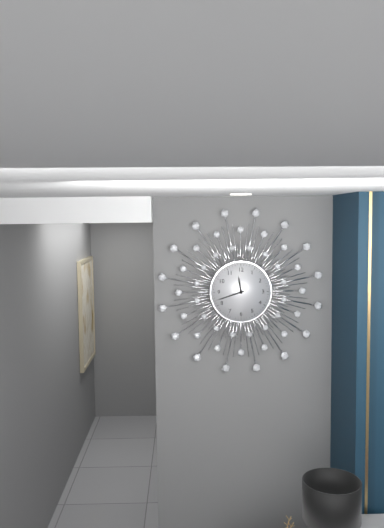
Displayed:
11,42
